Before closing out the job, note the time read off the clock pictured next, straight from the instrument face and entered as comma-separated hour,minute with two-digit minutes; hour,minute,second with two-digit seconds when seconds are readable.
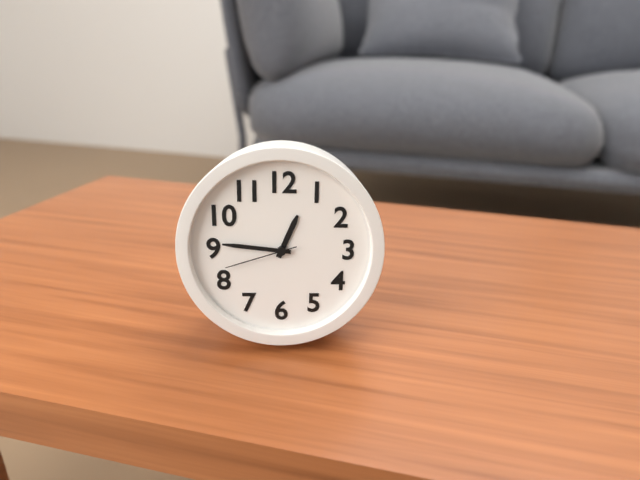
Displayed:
12,46,42
